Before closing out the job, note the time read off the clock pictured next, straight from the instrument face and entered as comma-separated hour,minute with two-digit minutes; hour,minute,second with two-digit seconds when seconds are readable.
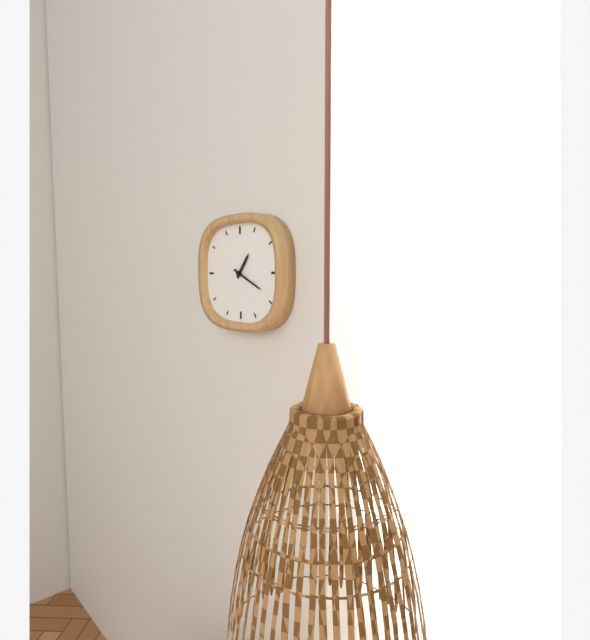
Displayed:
1,19
